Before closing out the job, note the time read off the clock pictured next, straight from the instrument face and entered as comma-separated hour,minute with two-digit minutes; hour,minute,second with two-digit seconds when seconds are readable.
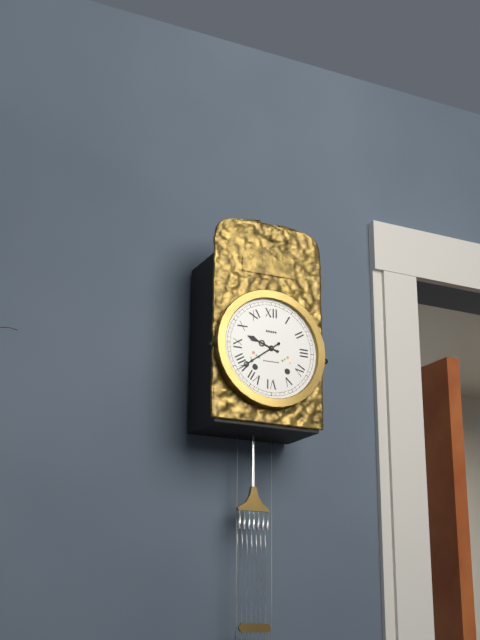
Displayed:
9,39
